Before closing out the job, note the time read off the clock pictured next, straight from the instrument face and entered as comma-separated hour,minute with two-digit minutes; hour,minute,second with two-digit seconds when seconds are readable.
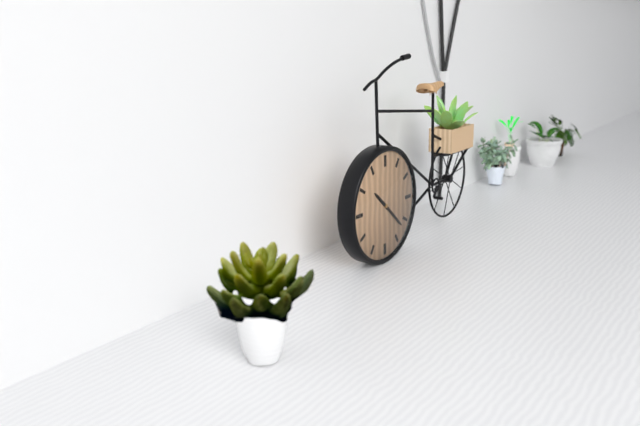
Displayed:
10,22
